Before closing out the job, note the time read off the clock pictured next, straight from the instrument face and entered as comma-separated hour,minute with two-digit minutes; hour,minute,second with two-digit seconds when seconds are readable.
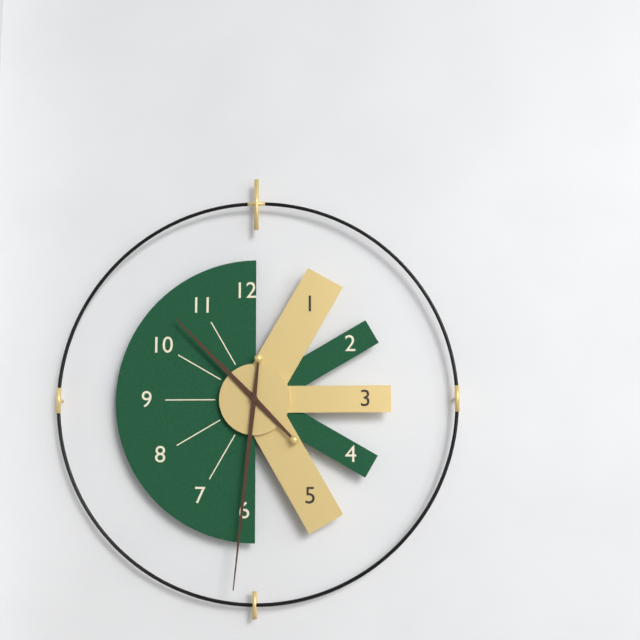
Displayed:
10,31
